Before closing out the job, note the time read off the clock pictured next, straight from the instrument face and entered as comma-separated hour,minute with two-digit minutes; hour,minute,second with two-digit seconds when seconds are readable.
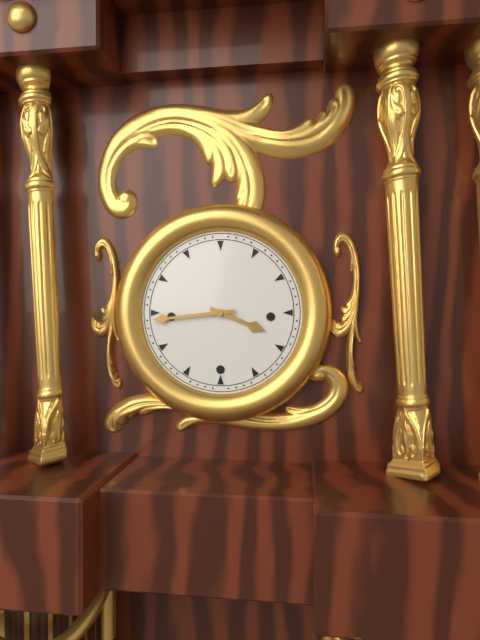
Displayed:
3,44
